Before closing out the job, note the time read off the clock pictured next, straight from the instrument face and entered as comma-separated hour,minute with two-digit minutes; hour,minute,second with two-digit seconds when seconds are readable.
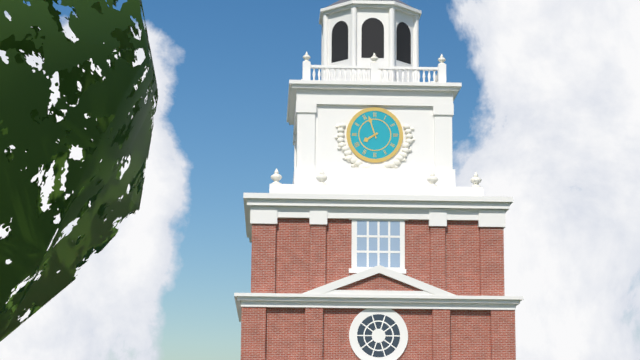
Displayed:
7,57
